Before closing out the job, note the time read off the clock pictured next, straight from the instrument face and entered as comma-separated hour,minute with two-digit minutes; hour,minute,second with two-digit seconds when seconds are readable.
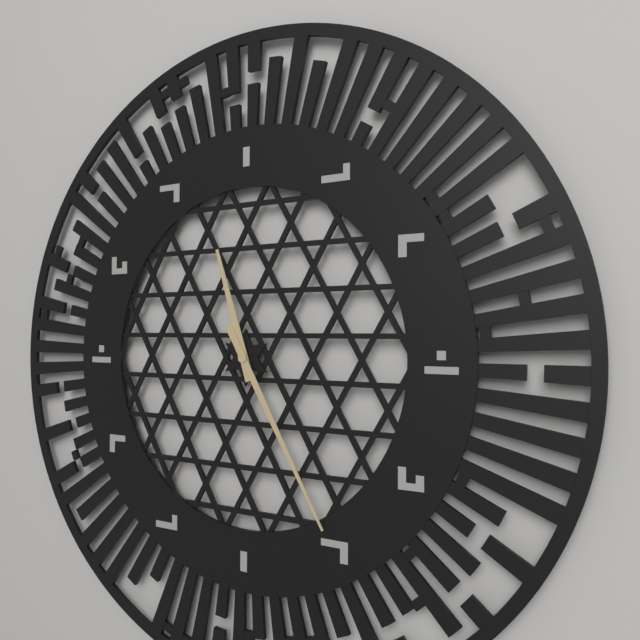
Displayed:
11,25
